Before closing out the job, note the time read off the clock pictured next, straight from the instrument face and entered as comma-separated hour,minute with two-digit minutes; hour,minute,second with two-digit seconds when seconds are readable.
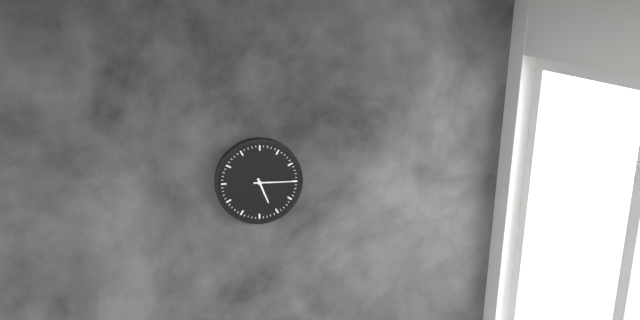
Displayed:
5,15
